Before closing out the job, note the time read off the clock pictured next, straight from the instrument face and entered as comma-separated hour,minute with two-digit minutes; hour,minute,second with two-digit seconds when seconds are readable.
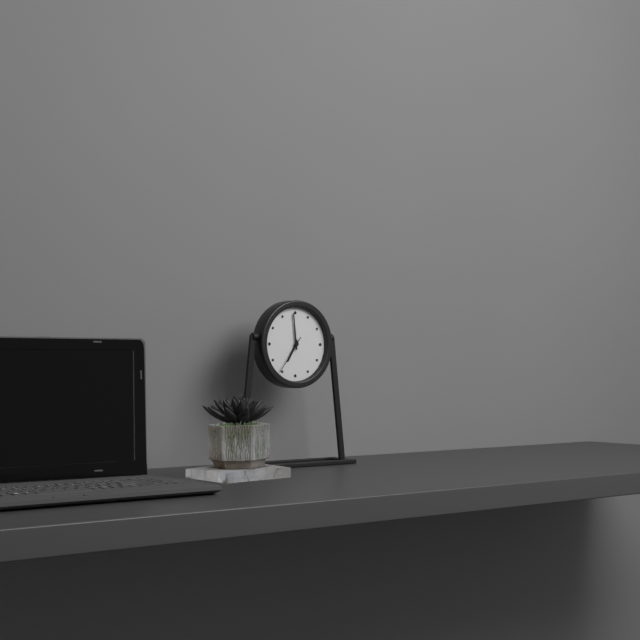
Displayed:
6,59
